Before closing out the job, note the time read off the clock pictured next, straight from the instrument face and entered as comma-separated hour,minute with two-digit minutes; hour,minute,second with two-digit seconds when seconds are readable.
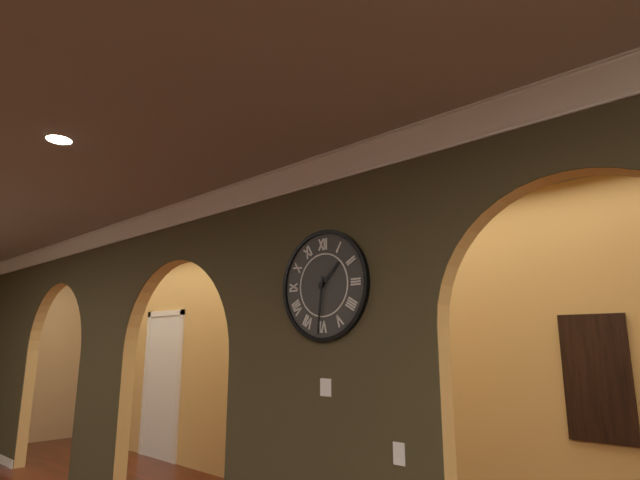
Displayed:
1,31
